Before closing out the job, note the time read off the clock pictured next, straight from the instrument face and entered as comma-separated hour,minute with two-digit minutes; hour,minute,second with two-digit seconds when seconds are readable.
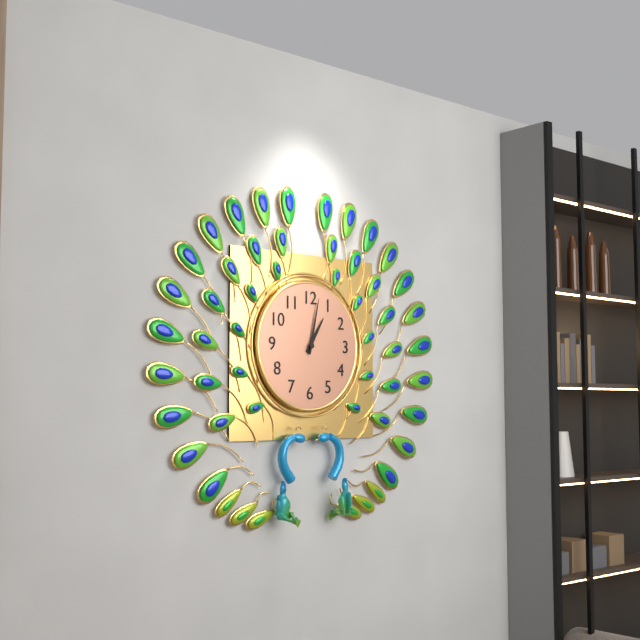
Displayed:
1,02
